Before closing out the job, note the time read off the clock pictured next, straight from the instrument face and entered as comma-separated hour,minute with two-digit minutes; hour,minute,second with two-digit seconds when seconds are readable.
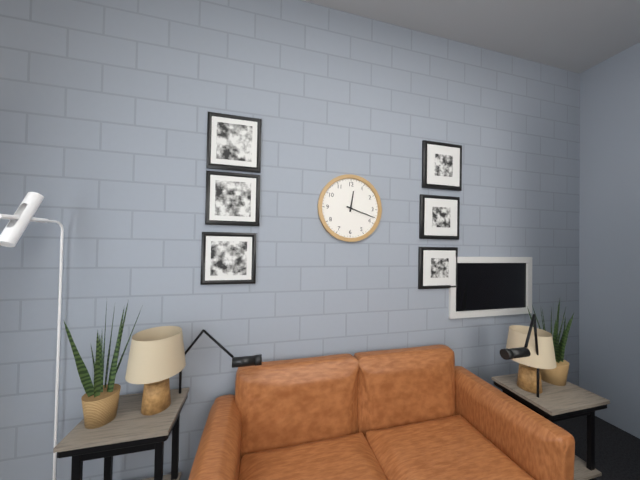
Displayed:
12,18
